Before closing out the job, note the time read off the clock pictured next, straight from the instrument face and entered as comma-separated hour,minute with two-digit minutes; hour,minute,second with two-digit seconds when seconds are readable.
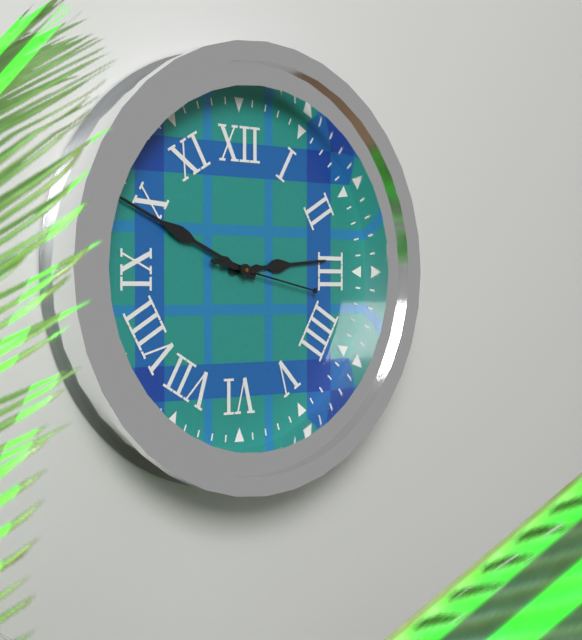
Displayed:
2,49,17
